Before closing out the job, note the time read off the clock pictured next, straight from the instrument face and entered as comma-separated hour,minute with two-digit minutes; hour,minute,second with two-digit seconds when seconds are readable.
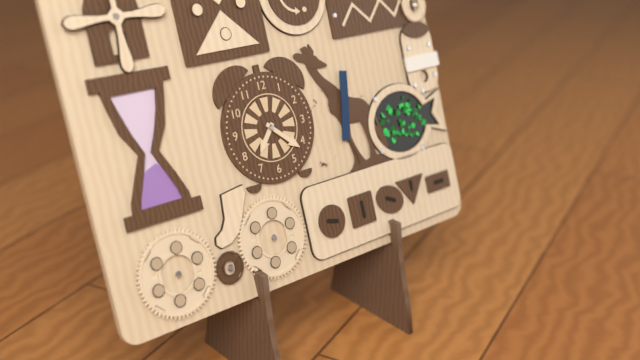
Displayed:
7,22
